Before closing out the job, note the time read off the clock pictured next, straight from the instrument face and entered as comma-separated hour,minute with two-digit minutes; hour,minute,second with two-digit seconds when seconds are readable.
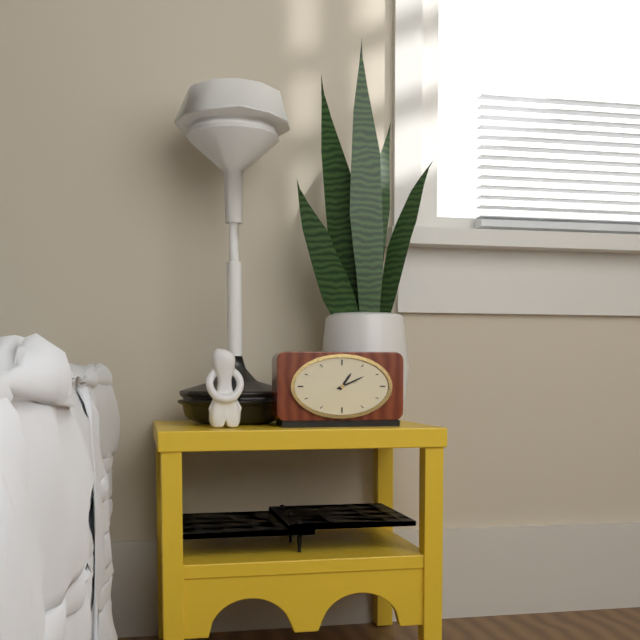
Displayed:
1,11
